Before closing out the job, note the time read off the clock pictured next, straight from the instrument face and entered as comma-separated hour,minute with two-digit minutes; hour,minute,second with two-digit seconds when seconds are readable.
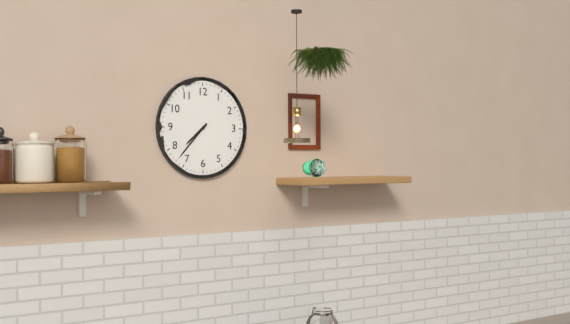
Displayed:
7,37
